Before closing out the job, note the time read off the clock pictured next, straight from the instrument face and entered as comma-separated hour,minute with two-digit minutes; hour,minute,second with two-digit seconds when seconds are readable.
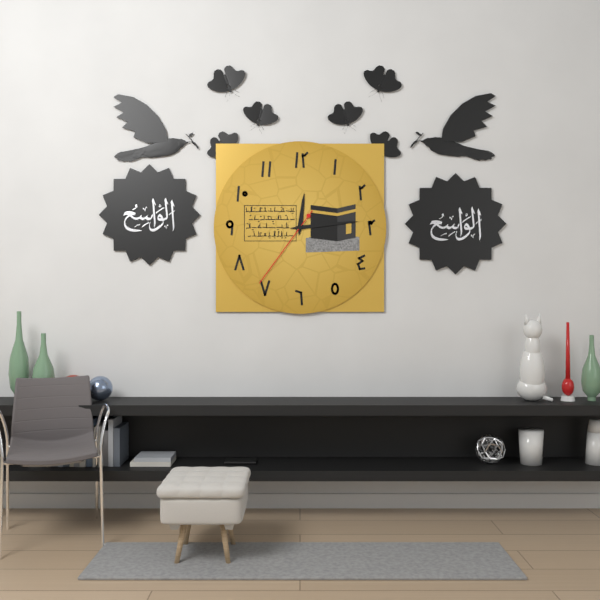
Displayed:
12,14,36
